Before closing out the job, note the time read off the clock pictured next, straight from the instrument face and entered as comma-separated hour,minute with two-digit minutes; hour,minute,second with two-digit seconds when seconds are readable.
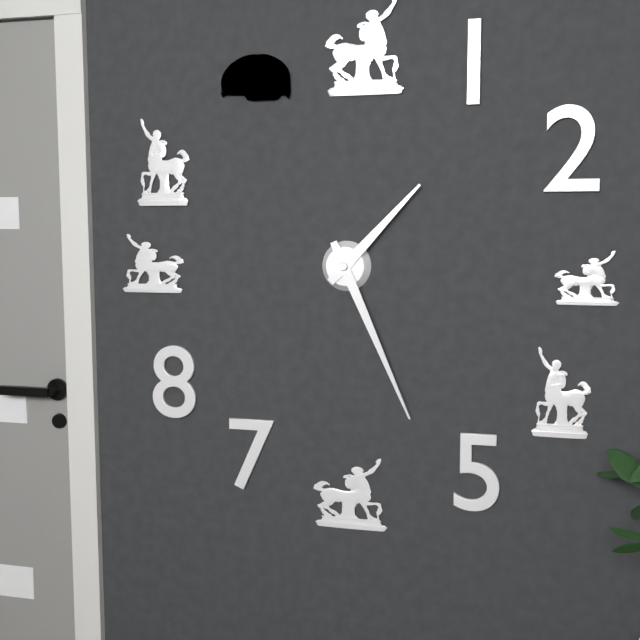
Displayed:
1,26
